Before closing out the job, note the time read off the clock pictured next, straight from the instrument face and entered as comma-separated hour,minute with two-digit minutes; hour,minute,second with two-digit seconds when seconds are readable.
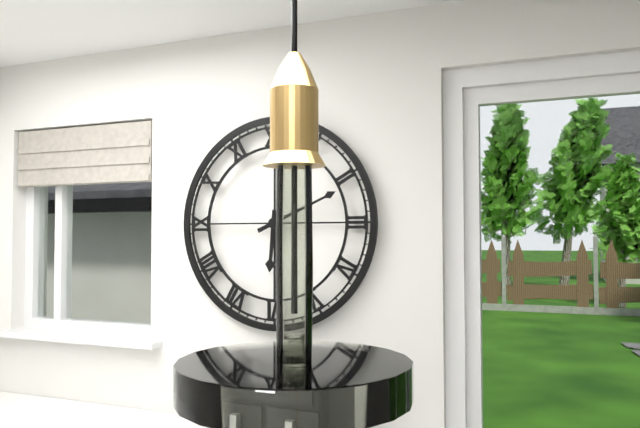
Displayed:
6,11
